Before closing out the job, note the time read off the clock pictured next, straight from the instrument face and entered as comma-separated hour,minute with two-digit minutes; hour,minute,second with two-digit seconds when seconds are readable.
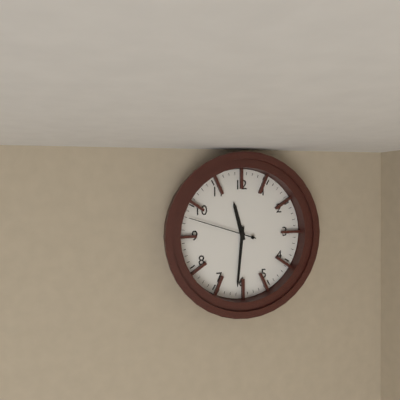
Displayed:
11,31,48
